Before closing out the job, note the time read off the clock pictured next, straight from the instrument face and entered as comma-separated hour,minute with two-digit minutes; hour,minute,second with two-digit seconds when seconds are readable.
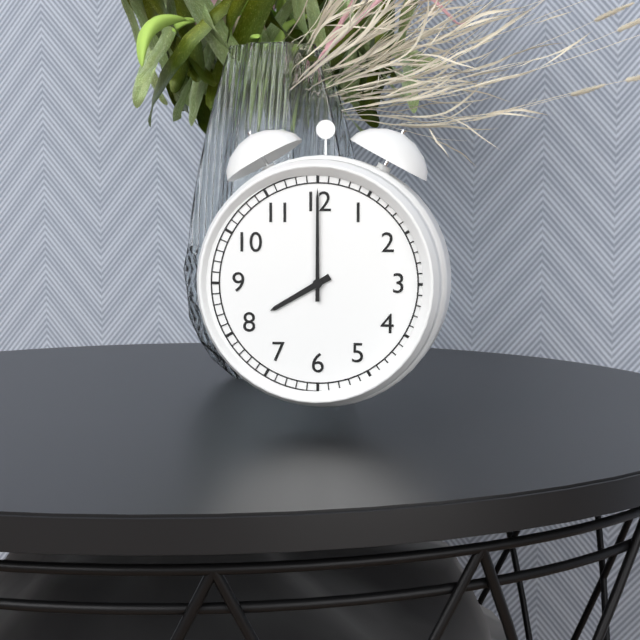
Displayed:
8,00
